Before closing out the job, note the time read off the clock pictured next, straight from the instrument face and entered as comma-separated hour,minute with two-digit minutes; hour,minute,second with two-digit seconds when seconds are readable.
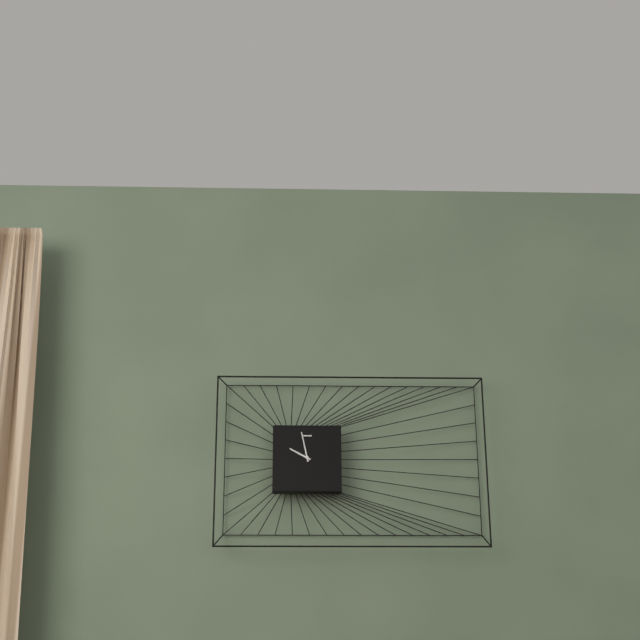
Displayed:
9,58
